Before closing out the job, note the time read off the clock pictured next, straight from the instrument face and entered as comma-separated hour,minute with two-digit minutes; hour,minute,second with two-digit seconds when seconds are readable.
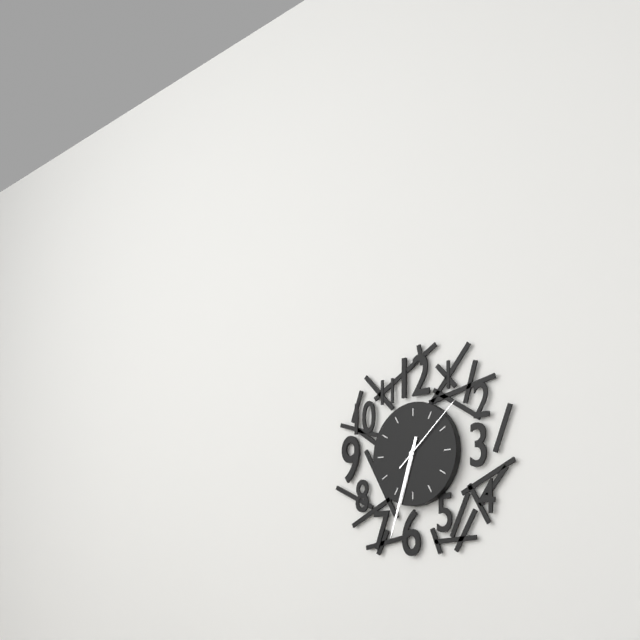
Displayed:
6,33,08
